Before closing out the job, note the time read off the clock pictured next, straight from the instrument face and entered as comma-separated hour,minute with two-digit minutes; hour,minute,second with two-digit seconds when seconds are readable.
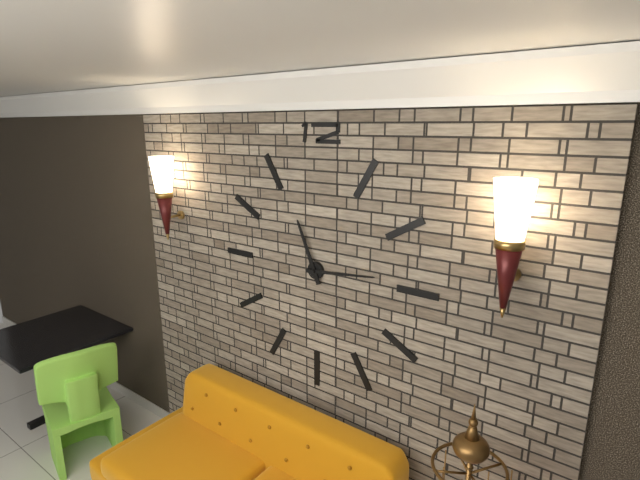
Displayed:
11,14
